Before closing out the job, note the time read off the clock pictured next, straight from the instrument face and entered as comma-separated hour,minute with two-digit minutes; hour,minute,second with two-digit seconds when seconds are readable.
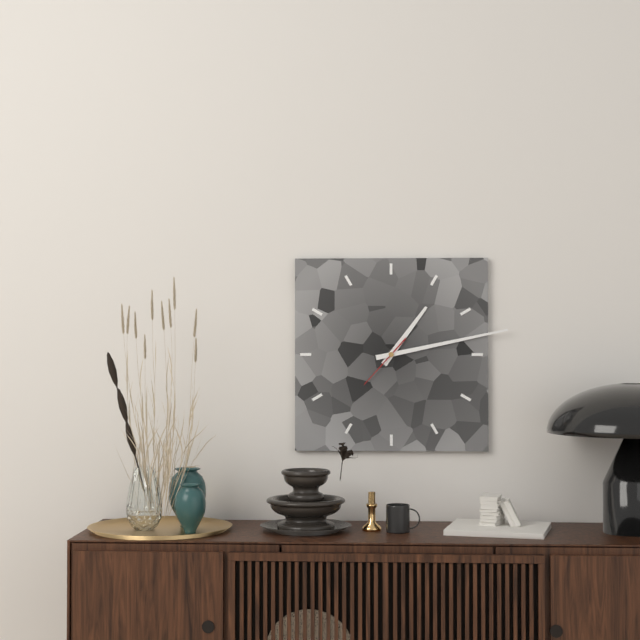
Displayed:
1,13,37
